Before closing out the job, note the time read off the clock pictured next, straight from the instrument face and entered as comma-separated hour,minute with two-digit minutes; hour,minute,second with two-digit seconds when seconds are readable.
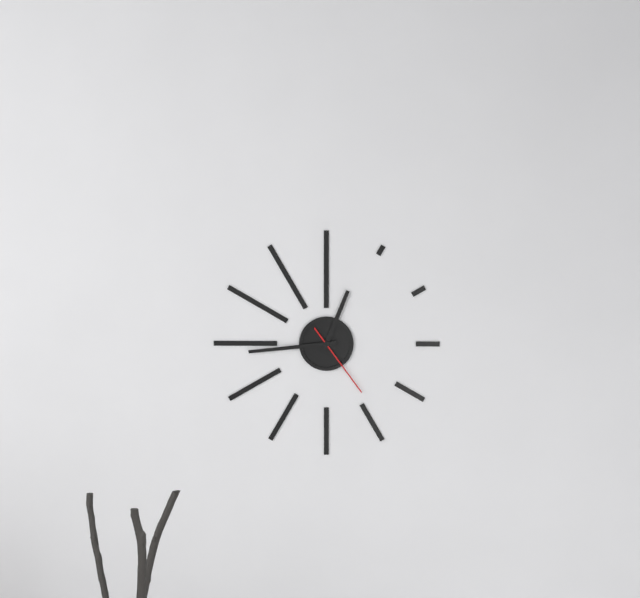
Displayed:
12,44,24
